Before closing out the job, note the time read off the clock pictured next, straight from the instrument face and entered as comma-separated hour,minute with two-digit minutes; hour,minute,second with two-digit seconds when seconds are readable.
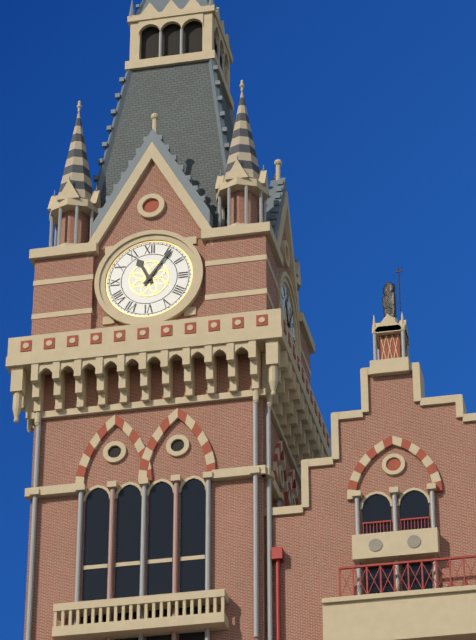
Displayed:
11,06
